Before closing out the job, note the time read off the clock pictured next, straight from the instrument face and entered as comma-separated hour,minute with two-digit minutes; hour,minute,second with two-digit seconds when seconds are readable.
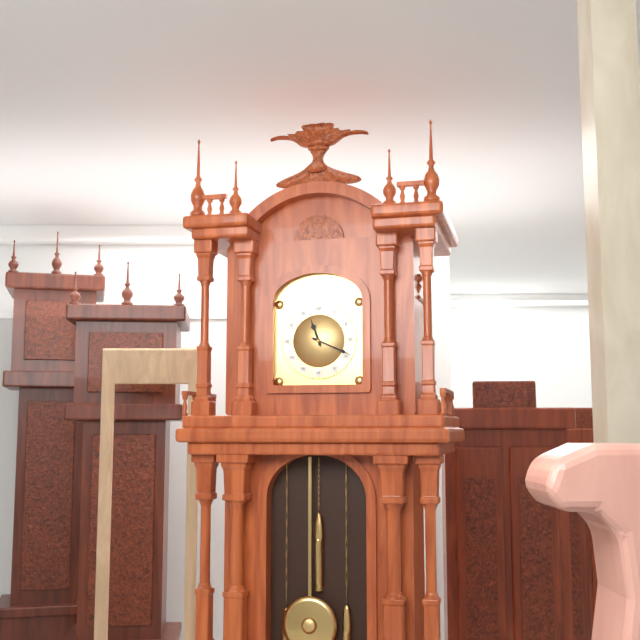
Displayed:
11,19
